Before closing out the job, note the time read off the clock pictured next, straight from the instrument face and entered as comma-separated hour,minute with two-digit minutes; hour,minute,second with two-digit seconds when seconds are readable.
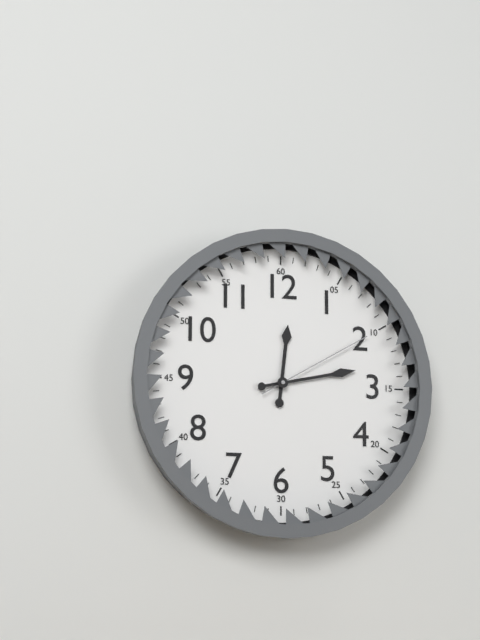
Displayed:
12,13,10
